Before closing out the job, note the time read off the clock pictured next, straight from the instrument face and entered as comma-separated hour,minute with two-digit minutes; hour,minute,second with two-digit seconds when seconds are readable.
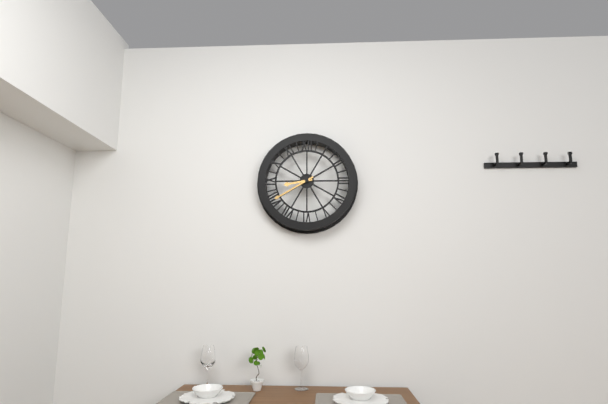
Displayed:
8,40
